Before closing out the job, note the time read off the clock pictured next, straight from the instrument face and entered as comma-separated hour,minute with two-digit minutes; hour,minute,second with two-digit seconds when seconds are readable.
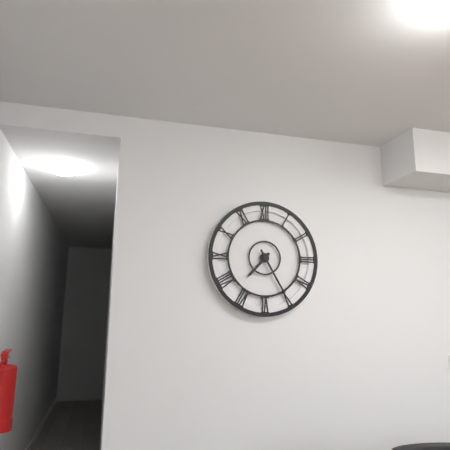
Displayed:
7,25
